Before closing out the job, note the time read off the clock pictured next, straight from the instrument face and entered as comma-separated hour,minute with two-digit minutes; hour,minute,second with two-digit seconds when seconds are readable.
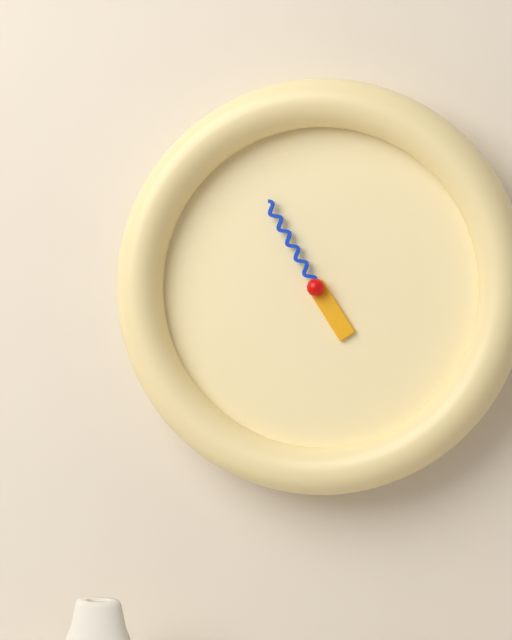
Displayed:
4,55
